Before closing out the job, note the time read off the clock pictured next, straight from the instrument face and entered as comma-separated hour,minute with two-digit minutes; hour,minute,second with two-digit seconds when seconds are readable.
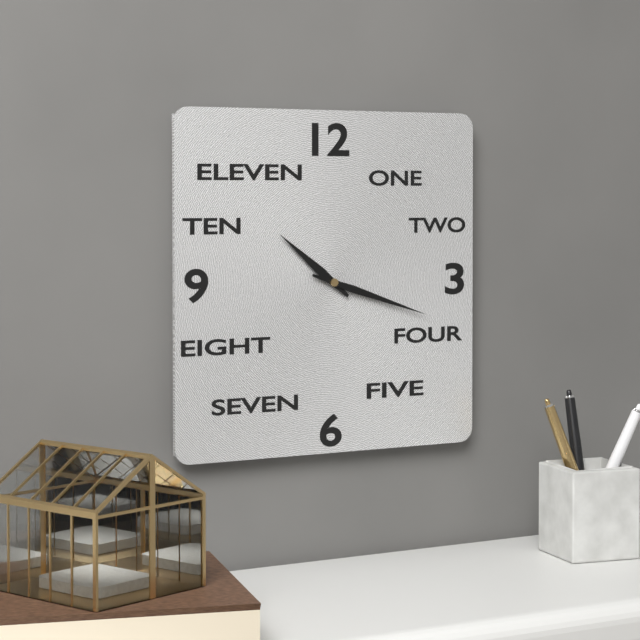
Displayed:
10,18
